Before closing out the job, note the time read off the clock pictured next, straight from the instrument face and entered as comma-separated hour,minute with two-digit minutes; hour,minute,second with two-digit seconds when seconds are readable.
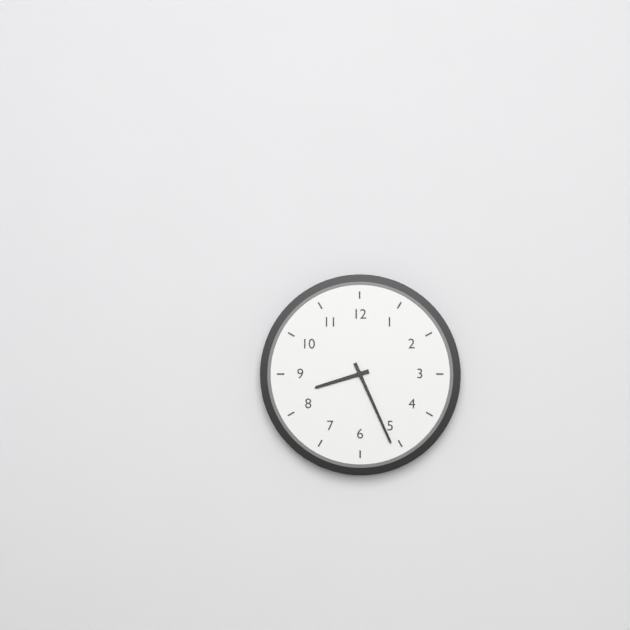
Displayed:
8,26
